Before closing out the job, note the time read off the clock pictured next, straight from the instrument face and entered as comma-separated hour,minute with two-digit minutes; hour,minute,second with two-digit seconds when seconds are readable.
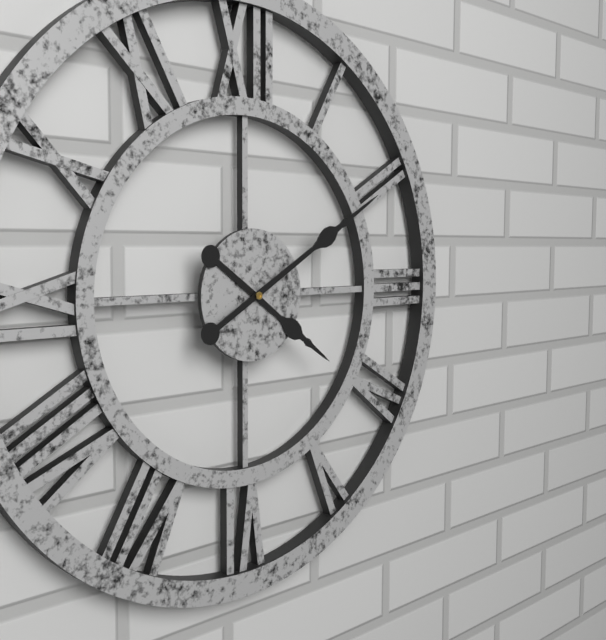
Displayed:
4,10
